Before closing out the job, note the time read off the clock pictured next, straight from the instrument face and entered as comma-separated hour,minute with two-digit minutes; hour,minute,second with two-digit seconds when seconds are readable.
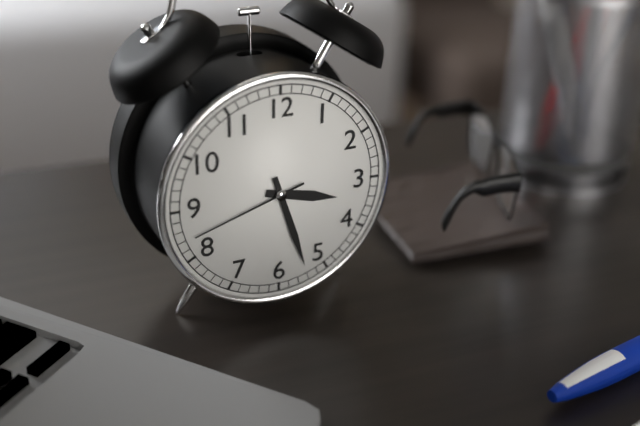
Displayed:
3,27,42
